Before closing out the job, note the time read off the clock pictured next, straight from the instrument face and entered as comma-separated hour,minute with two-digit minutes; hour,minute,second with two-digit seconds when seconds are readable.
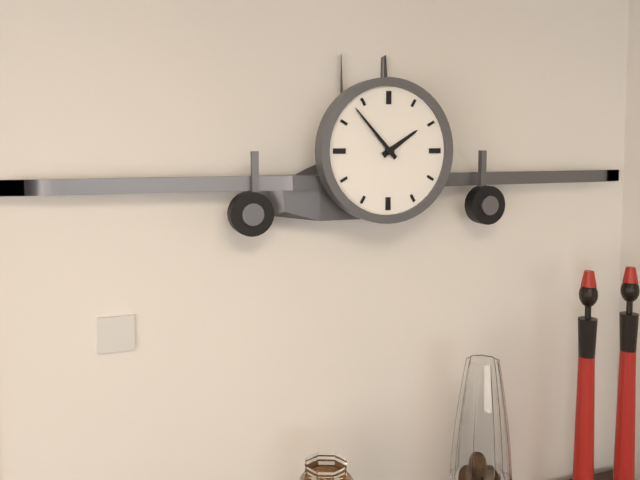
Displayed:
1,53
